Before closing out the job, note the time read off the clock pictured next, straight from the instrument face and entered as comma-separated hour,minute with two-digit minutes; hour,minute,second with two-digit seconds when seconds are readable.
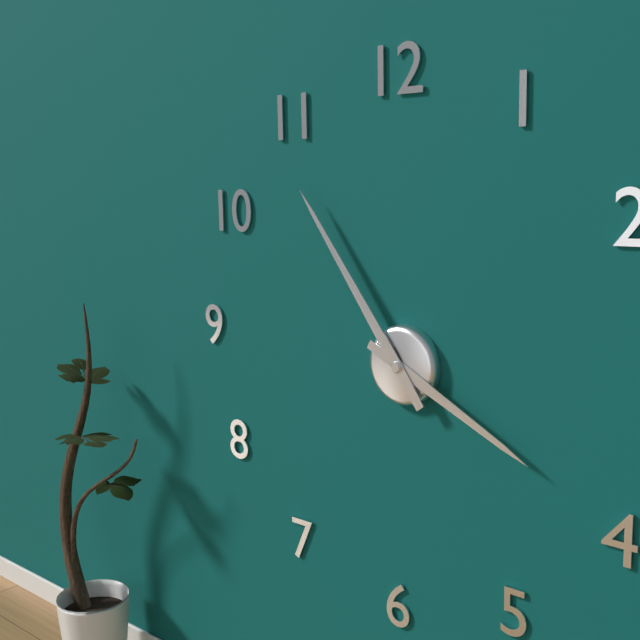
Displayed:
3,54
